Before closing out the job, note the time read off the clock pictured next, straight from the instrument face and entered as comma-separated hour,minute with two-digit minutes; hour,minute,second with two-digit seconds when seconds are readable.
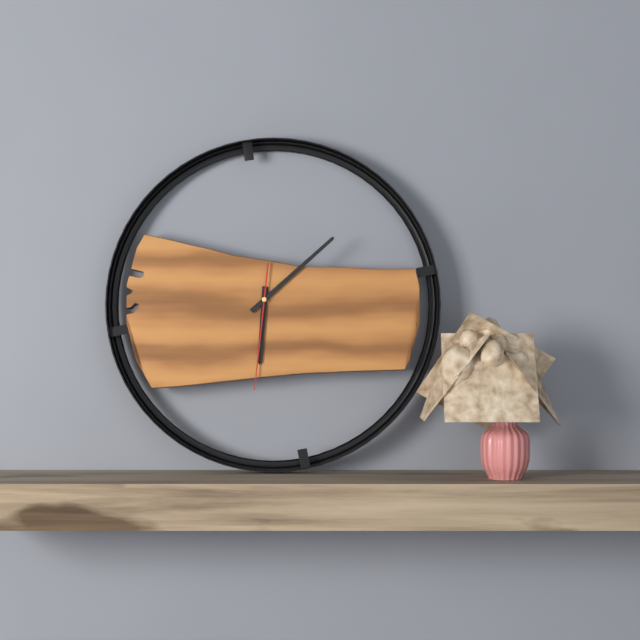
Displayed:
6,08,31
